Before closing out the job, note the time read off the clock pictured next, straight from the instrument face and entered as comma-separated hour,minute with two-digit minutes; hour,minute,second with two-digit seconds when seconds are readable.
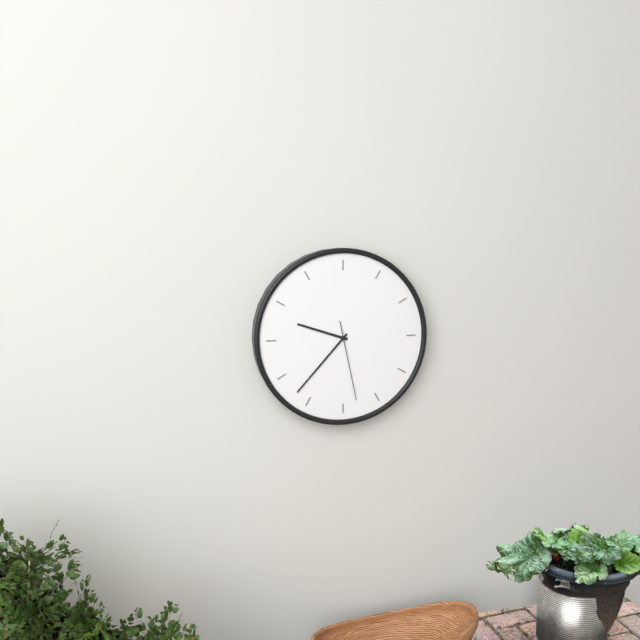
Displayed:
9,37,28
